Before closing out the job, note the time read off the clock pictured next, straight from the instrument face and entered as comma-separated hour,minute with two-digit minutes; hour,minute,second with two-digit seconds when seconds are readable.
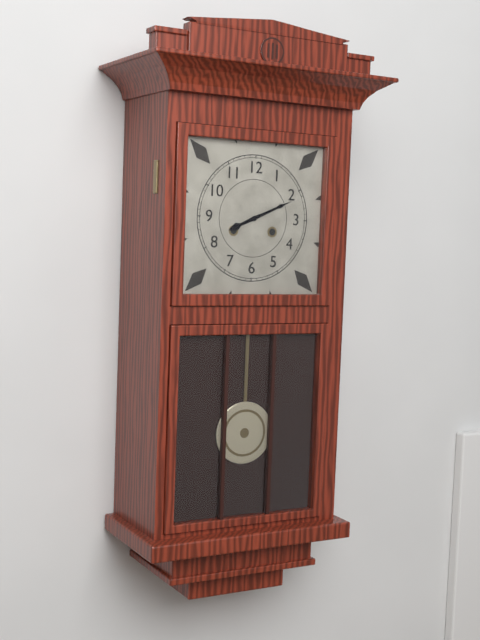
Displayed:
8,11
